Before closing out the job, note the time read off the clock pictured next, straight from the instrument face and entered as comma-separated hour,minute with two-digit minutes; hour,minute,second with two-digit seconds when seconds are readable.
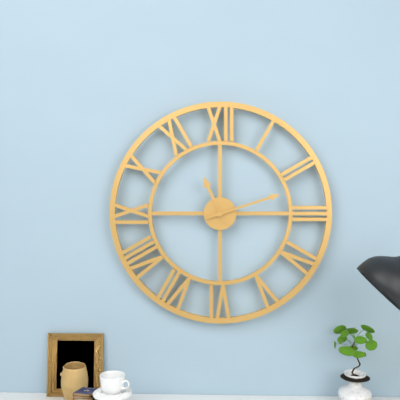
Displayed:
11,12
